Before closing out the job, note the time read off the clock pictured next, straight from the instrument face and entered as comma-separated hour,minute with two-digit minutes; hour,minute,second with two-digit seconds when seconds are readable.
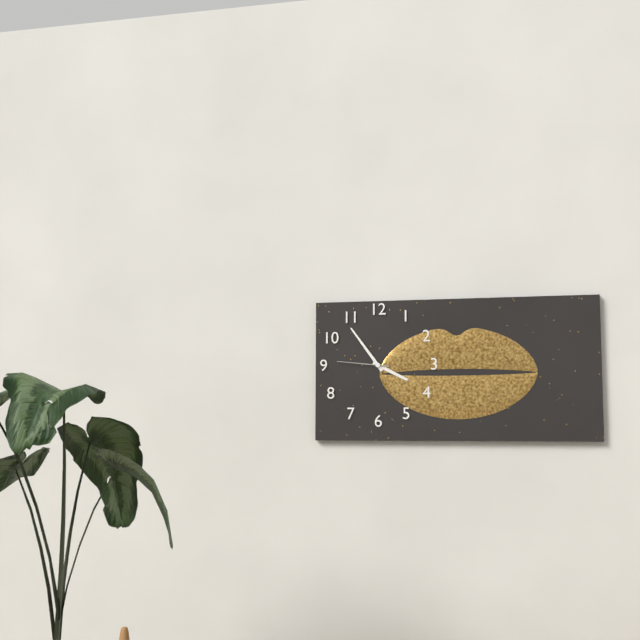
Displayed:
3,54,46
